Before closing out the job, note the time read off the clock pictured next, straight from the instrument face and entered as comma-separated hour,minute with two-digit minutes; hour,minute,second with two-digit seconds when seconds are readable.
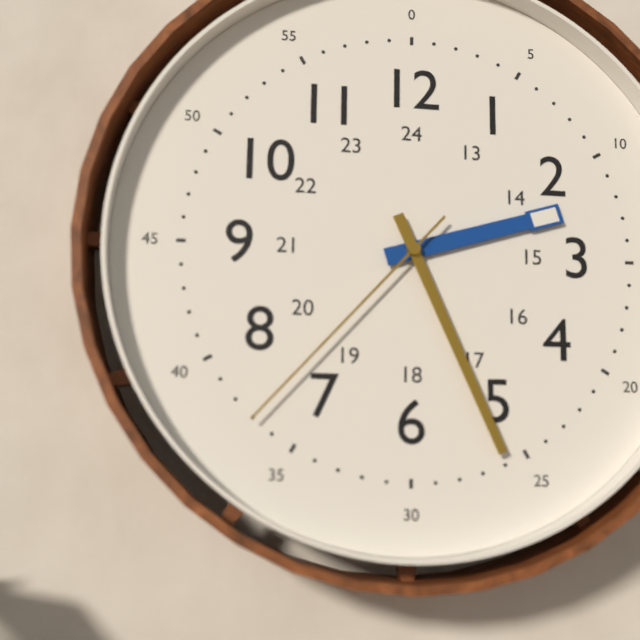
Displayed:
2,26,37
